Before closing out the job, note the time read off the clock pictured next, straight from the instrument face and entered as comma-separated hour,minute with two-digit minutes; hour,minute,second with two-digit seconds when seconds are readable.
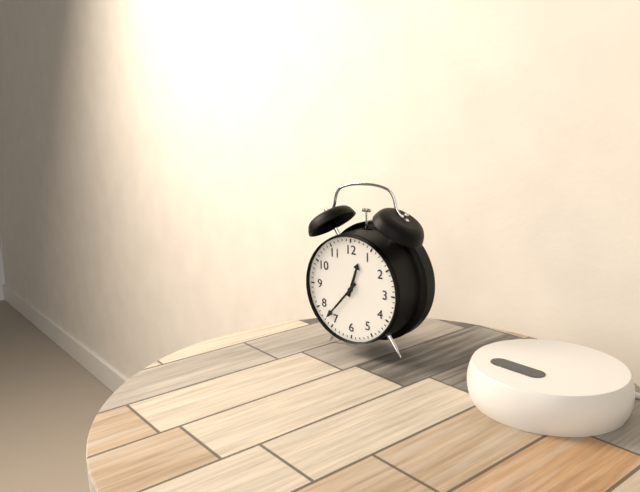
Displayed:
12,37
